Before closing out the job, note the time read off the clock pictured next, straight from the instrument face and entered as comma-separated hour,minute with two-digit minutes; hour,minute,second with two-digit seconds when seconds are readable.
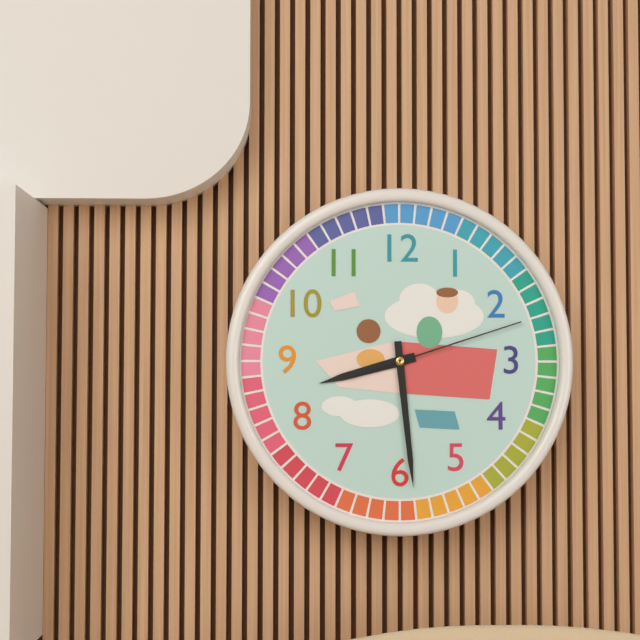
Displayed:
8,29,12
